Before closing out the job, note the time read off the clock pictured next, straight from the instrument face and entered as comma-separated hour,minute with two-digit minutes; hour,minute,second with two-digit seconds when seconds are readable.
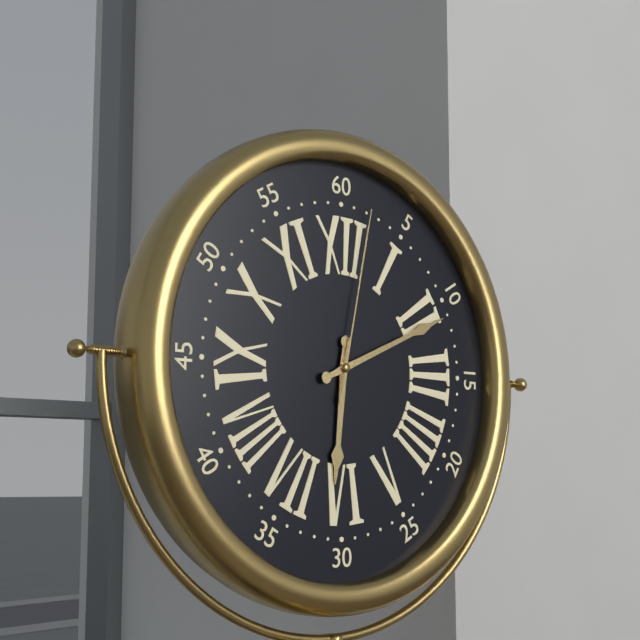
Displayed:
6,11,02
